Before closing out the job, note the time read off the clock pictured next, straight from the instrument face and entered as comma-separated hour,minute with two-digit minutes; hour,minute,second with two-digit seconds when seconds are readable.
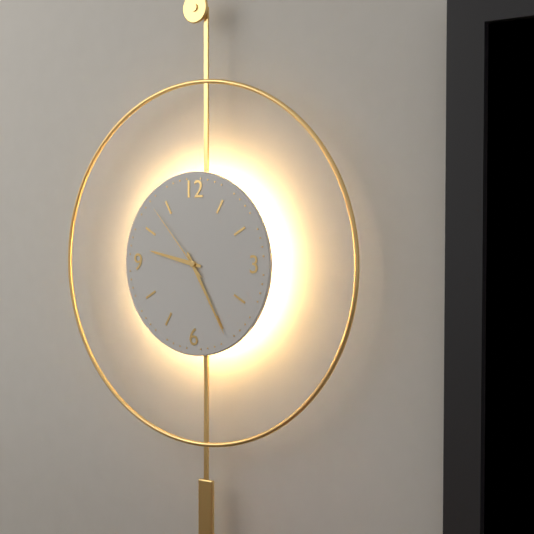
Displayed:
9,25,53
